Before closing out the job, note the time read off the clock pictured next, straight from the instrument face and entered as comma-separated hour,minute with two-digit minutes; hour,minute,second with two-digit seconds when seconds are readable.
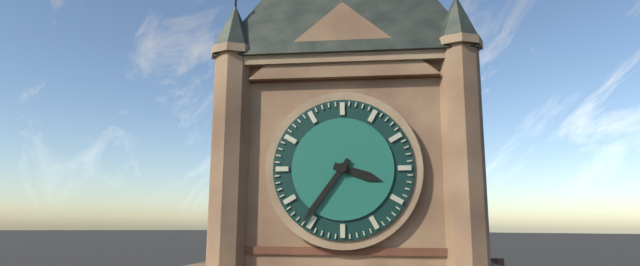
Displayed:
3,36
